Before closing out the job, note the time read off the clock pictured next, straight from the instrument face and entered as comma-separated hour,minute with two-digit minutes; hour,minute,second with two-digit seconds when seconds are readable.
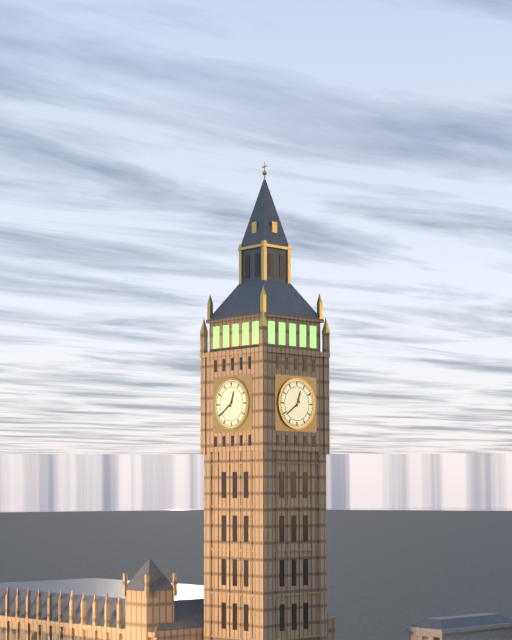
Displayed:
12,39
